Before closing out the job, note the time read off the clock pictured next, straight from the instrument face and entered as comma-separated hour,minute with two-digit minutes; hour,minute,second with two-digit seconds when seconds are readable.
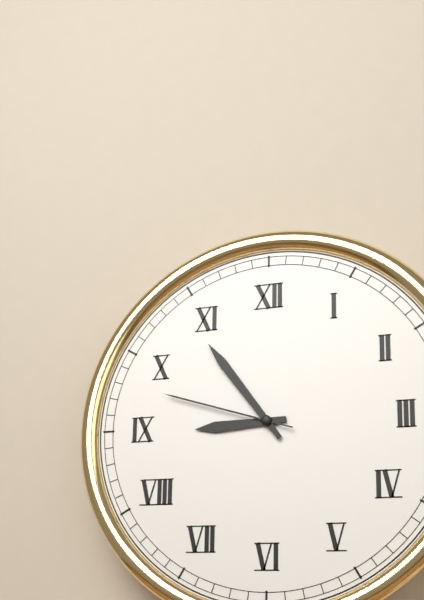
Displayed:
8,54,48
